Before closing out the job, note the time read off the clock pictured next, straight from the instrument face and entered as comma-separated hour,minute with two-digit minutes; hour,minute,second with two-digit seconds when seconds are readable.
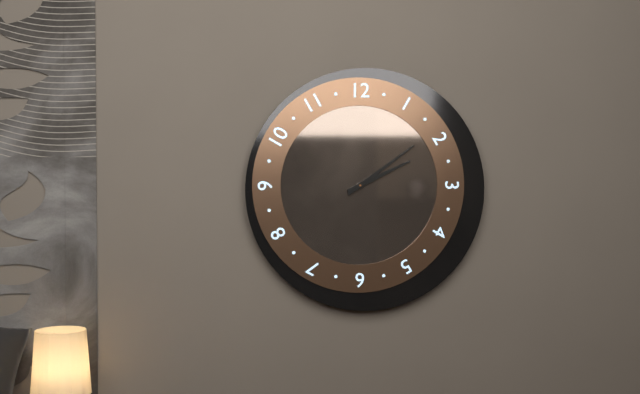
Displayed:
2,09
